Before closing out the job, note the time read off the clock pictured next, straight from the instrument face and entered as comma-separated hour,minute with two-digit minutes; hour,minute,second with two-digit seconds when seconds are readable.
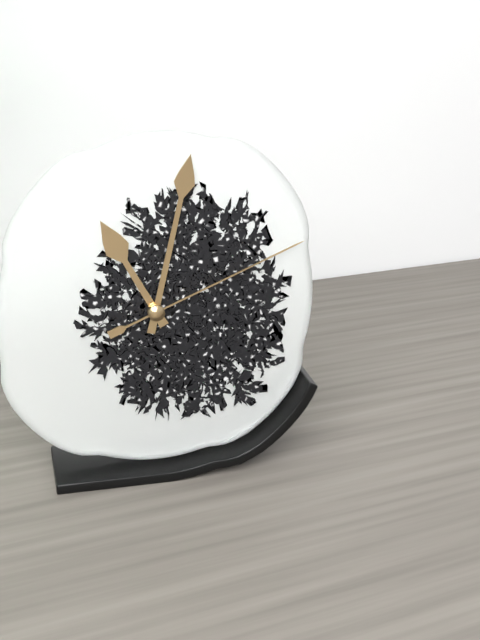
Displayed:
11,02,11
